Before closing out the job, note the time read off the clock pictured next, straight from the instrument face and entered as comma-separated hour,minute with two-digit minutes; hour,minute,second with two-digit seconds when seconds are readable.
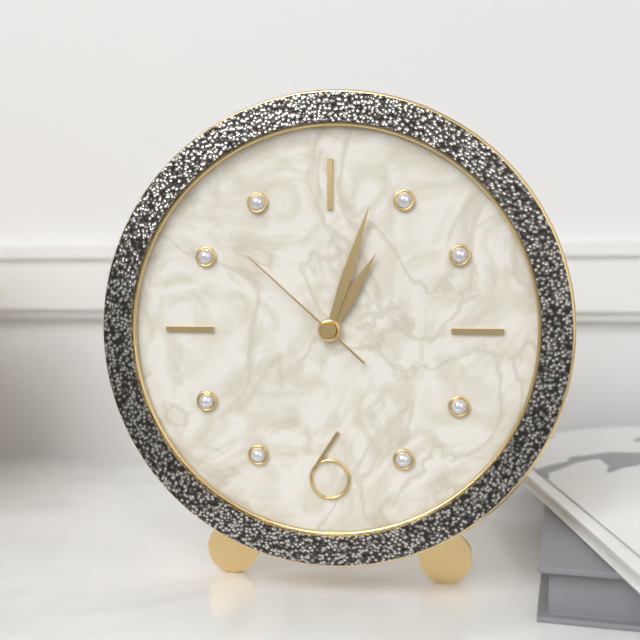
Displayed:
1,03,52
